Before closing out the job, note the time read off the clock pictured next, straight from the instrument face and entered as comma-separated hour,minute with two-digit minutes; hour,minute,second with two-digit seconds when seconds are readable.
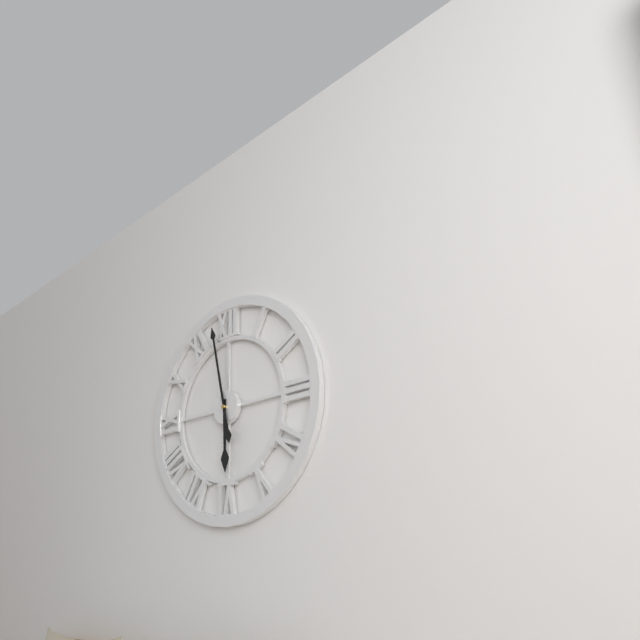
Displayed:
5,58
